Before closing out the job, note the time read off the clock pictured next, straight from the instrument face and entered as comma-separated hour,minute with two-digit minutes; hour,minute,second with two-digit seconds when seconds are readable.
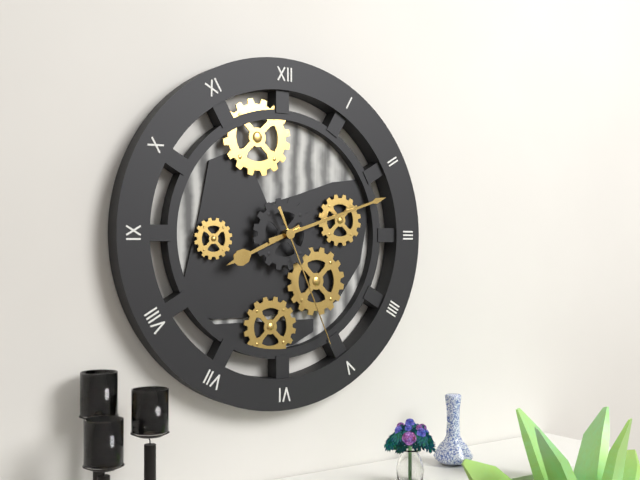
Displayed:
8,12,26
